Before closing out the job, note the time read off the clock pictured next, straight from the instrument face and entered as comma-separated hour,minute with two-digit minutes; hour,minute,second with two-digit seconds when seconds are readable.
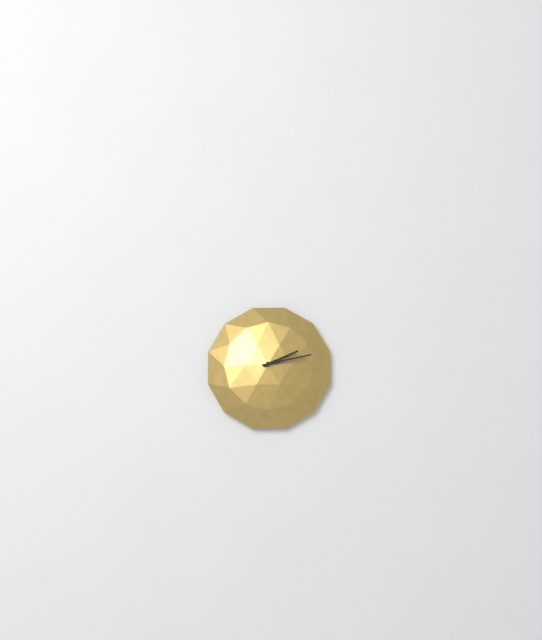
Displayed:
2,13
